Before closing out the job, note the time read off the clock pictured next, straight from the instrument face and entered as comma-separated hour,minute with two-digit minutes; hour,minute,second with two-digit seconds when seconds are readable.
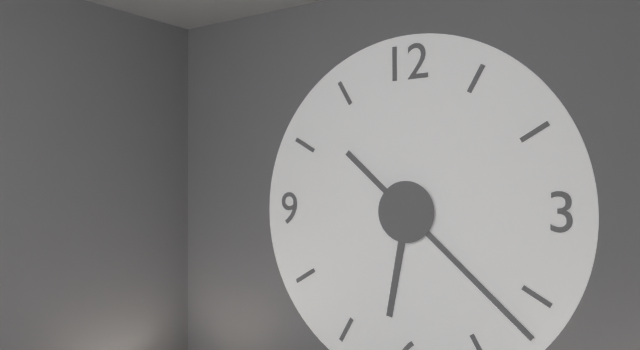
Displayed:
6,22
